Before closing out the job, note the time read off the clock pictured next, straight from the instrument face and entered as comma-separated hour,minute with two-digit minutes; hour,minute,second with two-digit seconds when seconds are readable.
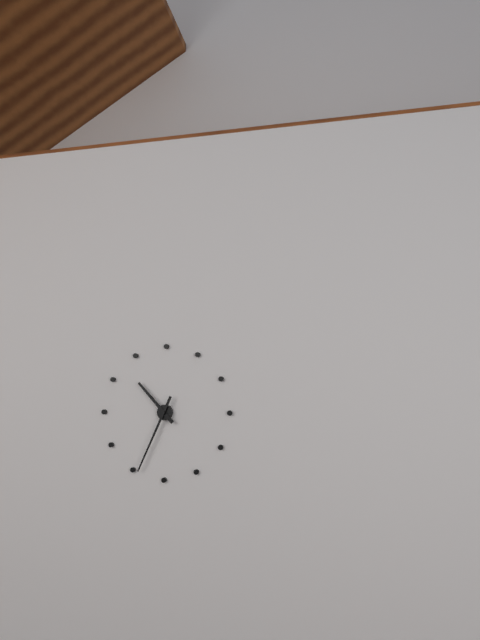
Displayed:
10,34
